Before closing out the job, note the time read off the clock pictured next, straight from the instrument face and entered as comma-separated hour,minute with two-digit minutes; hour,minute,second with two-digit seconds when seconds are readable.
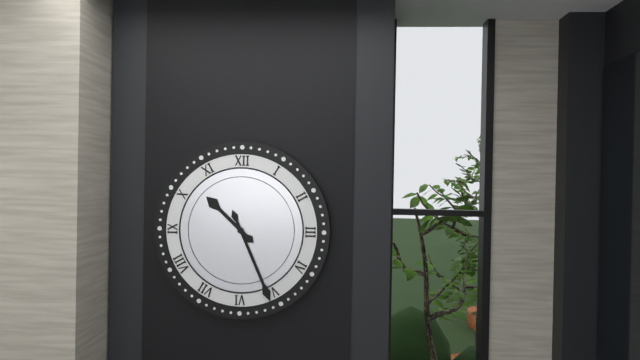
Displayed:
10,26
